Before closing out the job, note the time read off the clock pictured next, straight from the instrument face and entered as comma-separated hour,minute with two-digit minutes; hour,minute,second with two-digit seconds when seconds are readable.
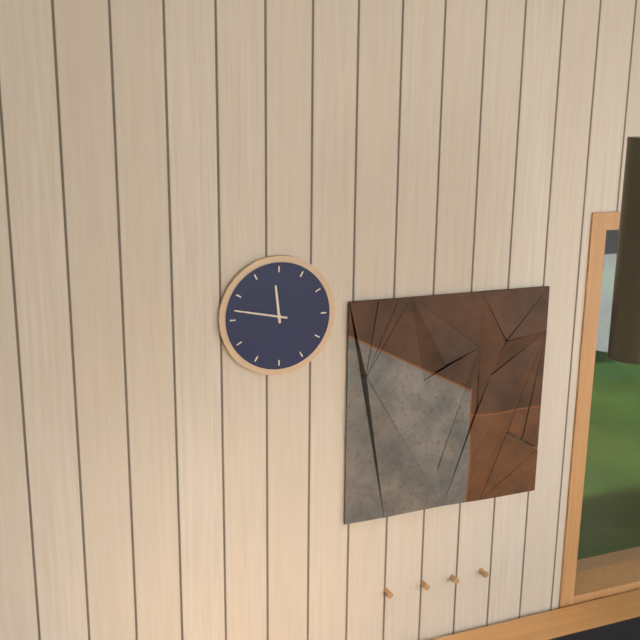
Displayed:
11,47
